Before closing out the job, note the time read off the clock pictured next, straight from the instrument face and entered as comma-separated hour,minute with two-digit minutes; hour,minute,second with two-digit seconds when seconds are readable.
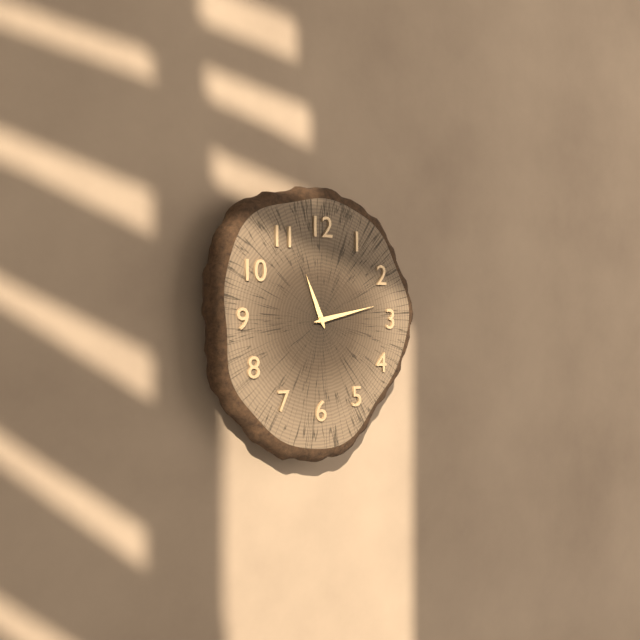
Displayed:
11,13
